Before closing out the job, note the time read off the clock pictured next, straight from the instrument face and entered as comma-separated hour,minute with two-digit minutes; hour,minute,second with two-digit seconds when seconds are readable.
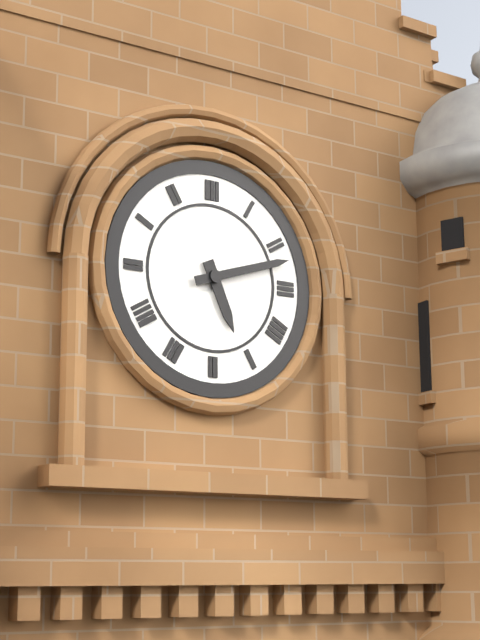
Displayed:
5,12
